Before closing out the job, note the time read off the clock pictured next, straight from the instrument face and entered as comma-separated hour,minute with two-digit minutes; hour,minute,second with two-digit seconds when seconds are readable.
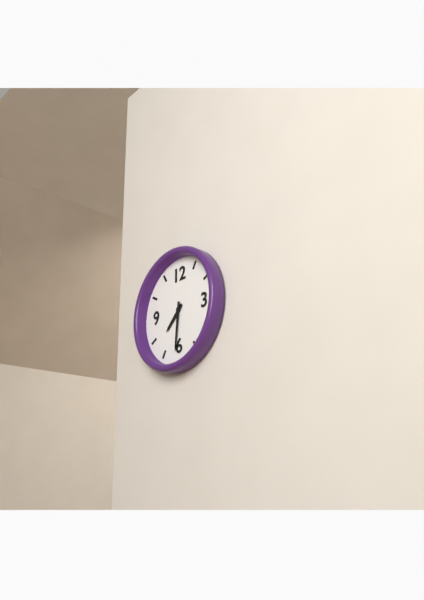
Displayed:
7,31
